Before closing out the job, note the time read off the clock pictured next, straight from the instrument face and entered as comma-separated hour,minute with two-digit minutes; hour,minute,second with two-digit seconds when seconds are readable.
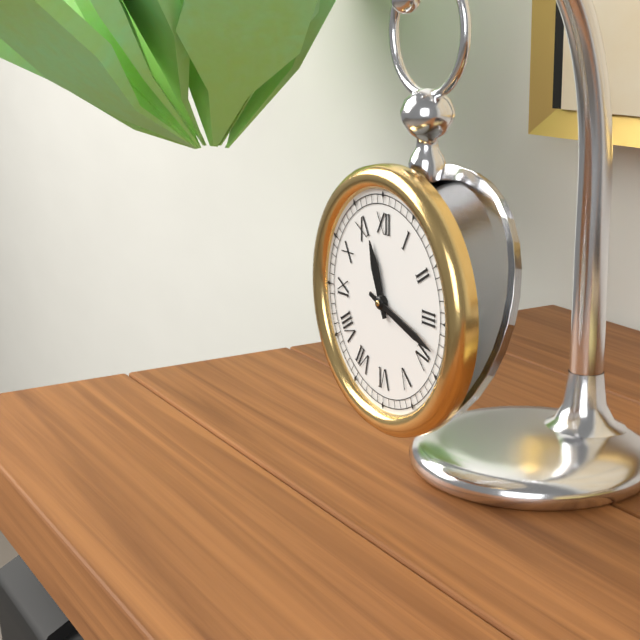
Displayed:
11,18
